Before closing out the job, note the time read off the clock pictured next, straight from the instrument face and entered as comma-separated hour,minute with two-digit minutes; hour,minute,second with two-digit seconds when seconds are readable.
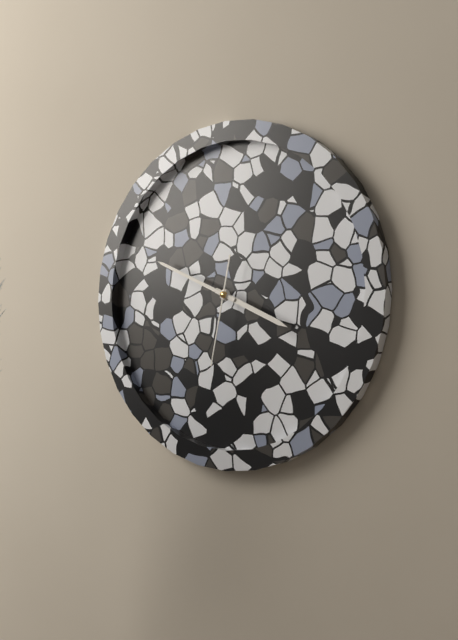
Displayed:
3,49,32
